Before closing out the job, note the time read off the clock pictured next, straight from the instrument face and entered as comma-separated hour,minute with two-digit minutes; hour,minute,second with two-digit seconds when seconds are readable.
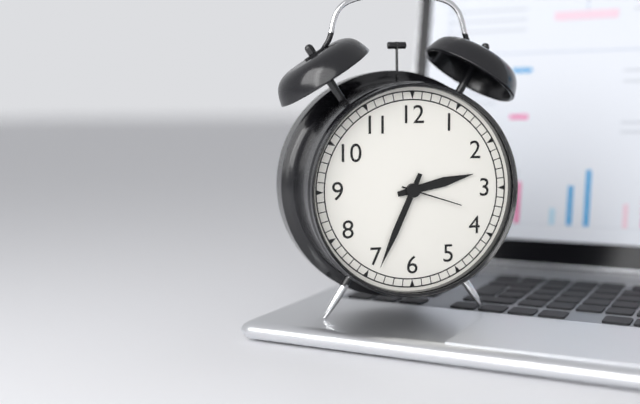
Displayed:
2,34,18
